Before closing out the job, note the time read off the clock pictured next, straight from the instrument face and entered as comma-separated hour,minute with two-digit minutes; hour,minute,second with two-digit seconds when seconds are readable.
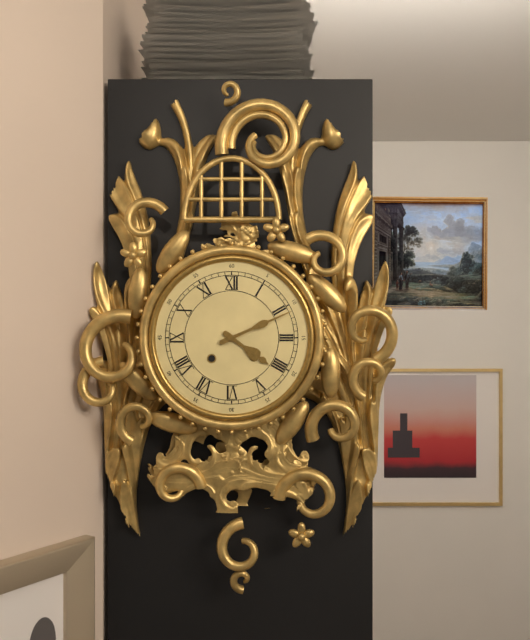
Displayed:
4,11
